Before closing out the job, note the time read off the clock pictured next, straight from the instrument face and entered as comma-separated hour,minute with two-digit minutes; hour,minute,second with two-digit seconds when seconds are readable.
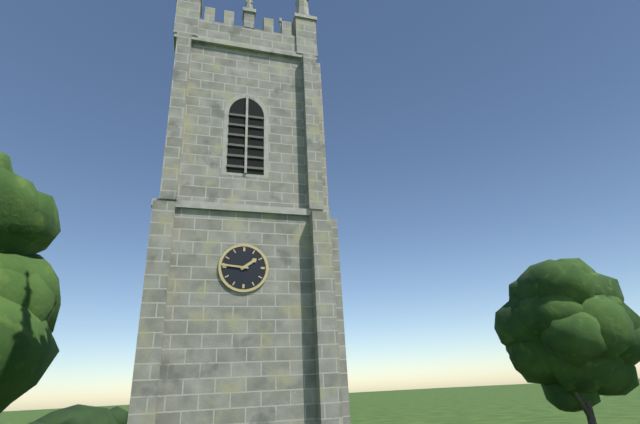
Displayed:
1,46
